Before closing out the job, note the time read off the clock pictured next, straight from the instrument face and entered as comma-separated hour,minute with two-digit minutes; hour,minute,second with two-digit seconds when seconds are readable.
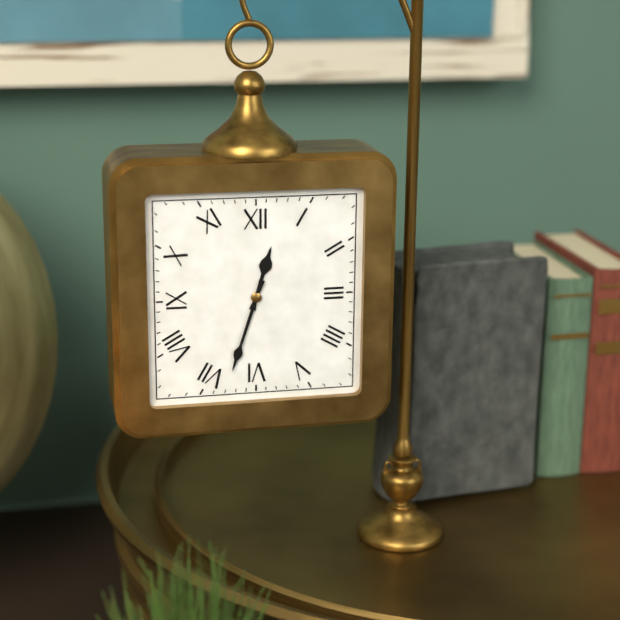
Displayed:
12,33
